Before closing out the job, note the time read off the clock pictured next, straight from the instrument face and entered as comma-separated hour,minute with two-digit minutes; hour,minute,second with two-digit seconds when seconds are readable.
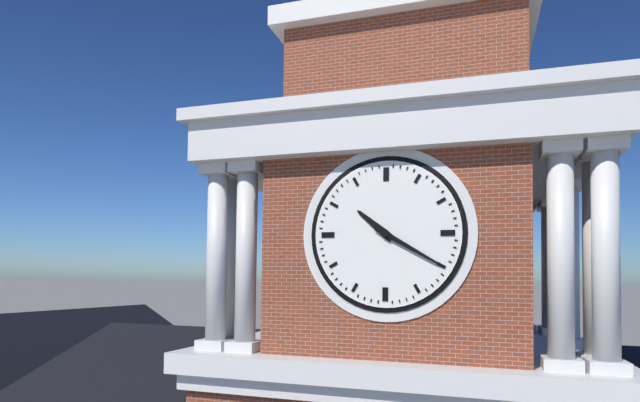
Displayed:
10,20
